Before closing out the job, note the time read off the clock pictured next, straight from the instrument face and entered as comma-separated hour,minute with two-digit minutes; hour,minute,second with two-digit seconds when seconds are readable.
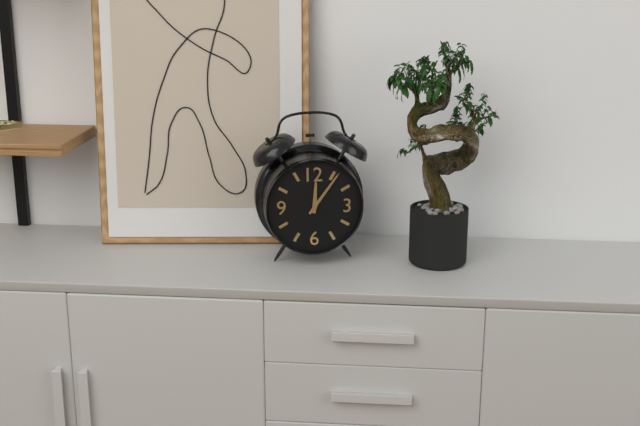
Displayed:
12,06
